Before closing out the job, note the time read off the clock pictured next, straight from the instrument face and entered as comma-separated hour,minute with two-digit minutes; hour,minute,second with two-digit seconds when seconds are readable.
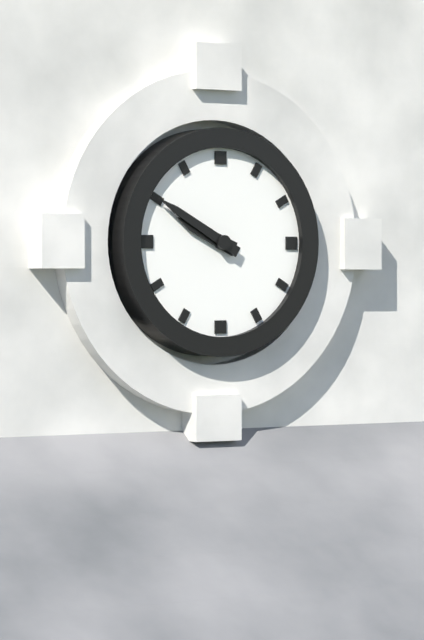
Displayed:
9,50
